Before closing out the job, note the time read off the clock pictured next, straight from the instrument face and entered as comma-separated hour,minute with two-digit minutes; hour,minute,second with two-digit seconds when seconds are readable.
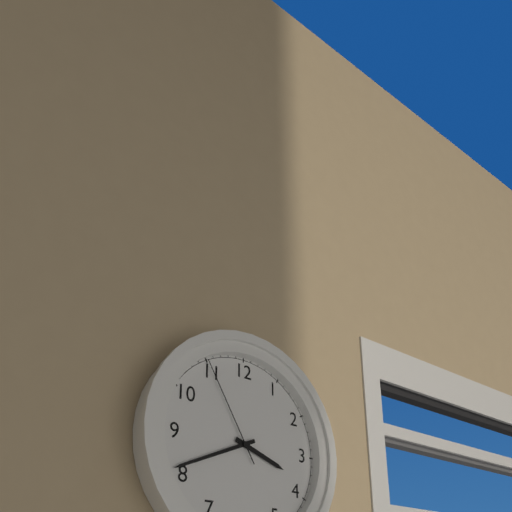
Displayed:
3,41,55
